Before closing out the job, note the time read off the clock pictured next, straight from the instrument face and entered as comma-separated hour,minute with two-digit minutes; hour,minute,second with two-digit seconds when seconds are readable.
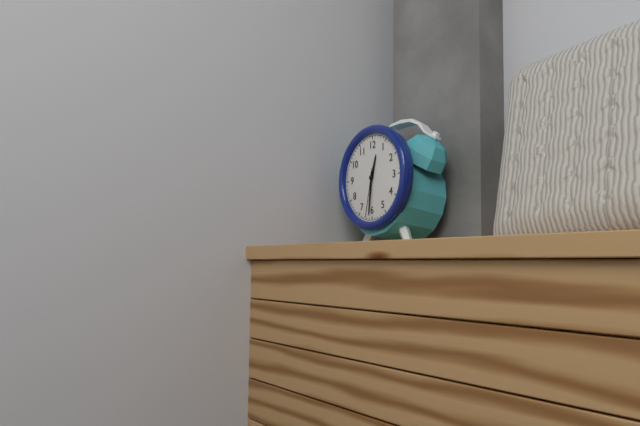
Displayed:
12,31,32
